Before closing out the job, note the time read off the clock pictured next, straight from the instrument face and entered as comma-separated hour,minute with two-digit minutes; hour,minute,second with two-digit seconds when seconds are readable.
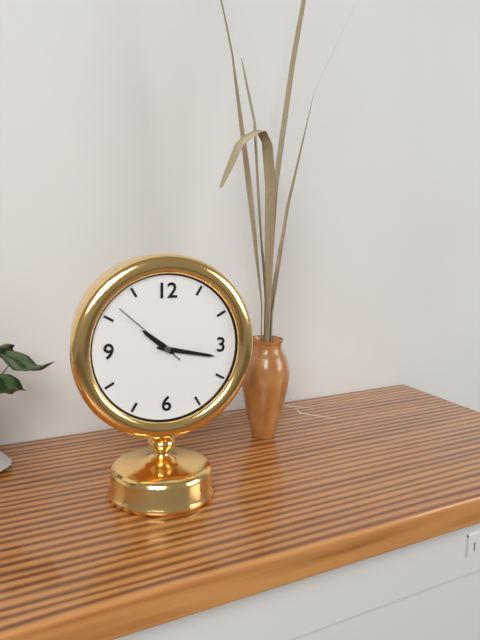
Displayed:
10,17,52
